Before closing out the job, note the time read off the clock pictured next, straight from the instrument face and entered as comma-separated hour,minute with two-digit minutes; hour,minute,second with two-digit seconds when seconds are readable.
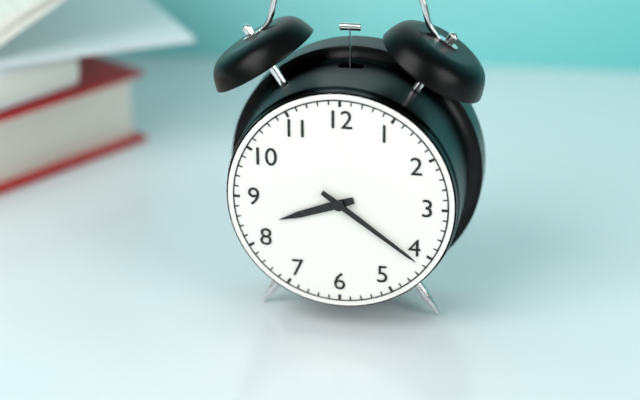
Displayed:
8,21
